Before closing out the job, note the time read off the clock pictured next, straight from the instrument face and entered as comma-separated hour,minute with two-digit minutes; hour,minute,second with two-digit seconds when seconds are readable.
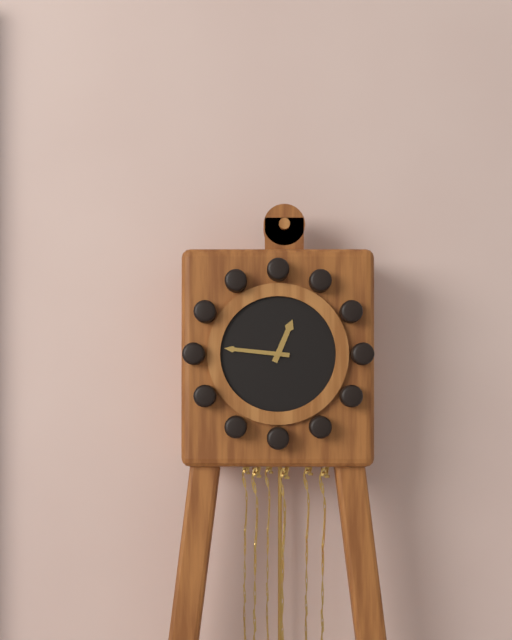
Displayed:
12,46
